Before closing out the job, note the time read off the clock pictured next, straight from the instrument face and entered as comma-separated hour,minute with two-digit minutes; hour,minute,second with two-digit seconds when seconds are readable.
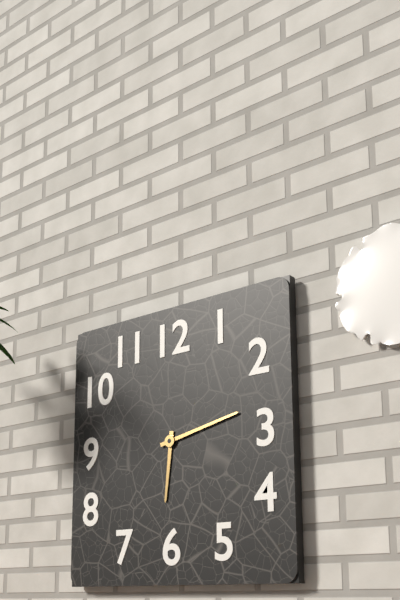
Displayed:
6,13
